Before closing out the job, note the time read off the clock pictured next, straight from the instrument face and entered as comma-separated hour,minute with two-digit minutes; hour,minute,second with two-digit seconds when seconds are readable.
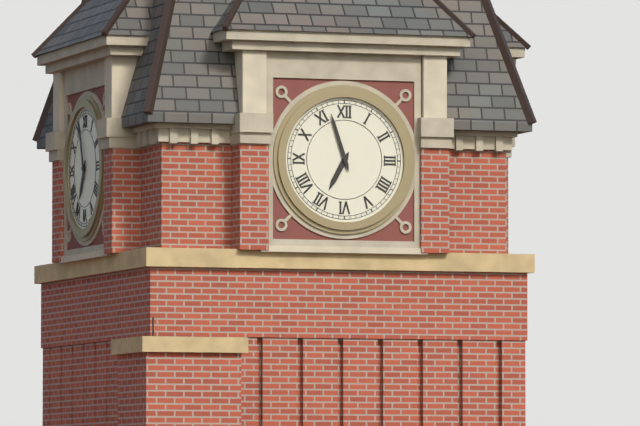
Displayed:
6,57
